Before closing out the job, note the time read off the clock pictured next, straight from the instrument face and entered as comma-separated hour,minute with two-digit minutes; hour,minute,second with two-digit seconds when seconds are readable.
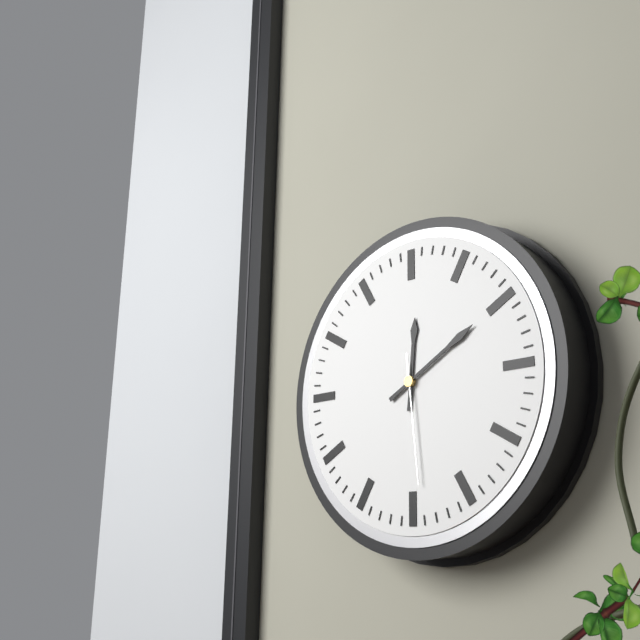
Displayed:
12,10,29
